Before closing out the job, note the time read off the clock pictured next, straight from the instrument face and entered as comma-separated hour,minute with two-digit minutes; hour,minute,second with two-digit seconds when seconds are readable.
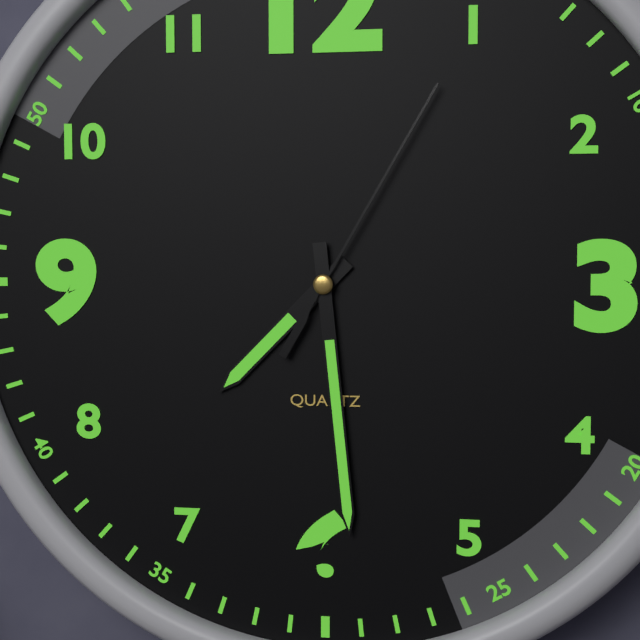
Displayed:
7,29,05
